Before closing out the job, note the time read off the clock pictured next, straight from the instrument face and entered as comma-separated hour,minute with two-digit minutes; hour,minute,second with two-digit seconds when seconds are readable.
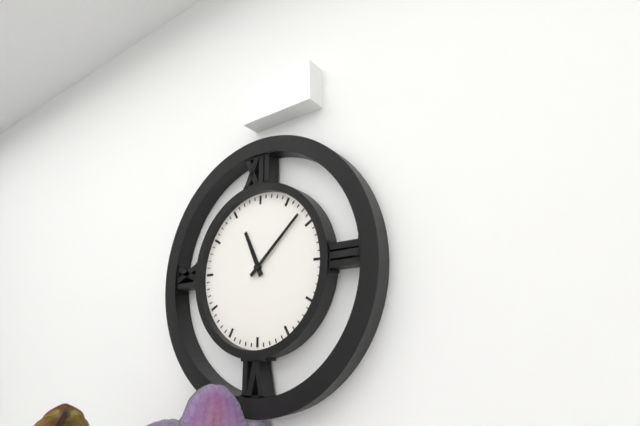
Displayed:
11,08
